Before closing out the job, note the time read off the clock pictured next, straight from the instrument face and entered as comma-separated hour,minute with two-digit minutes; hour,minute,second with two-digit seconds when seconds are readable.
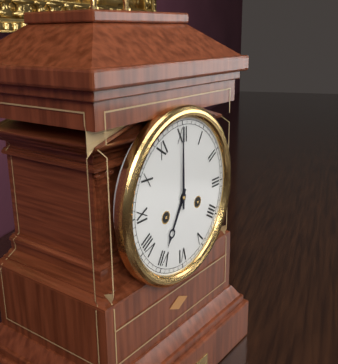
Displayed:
7,00
